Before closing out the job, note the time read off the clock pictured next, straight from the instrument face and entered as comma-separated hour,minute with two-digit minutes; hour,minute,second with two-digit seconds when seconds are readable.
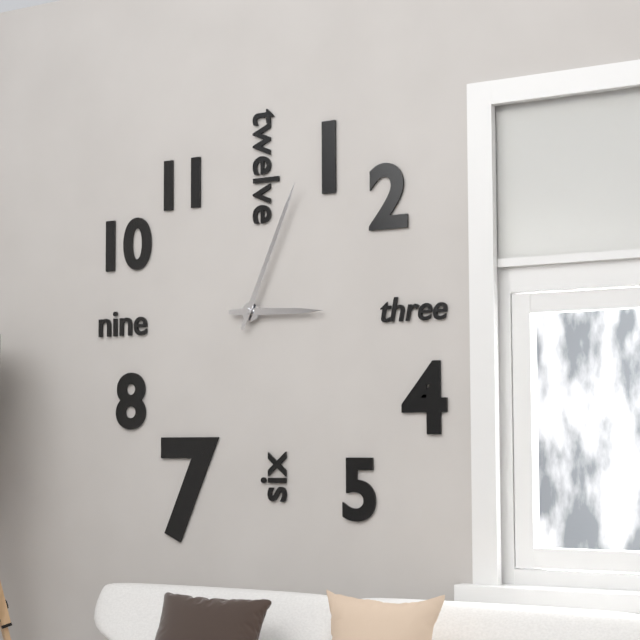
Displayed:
3,04
